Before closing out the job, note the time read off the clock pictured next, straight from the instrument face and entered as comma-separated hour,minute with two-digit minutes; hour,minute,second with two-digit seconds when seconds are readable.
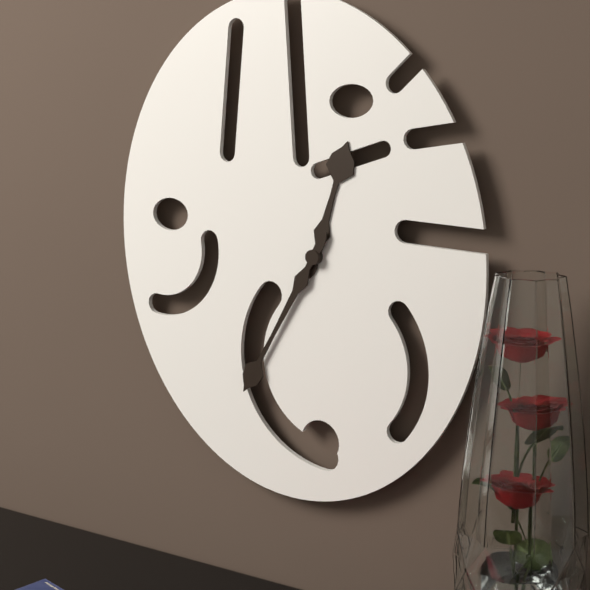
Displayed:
12,35
